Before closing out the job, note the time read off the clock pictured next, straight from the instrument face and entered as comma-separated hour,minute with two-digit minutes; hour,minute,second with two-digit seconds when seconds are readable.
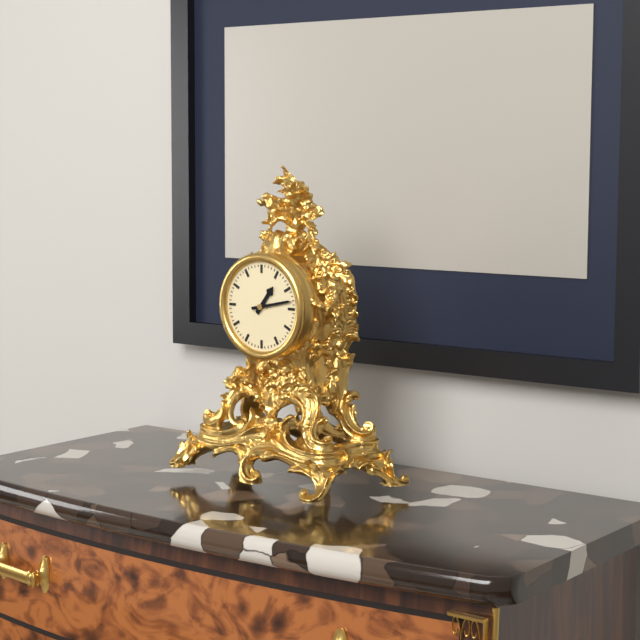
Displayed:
1,13
